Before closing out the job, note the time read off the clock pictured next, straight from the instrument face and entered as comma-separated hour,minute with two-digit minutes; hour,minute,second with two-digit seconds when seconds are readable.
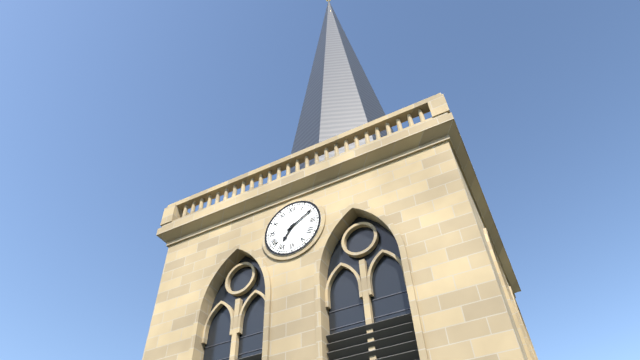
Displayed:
7,10
